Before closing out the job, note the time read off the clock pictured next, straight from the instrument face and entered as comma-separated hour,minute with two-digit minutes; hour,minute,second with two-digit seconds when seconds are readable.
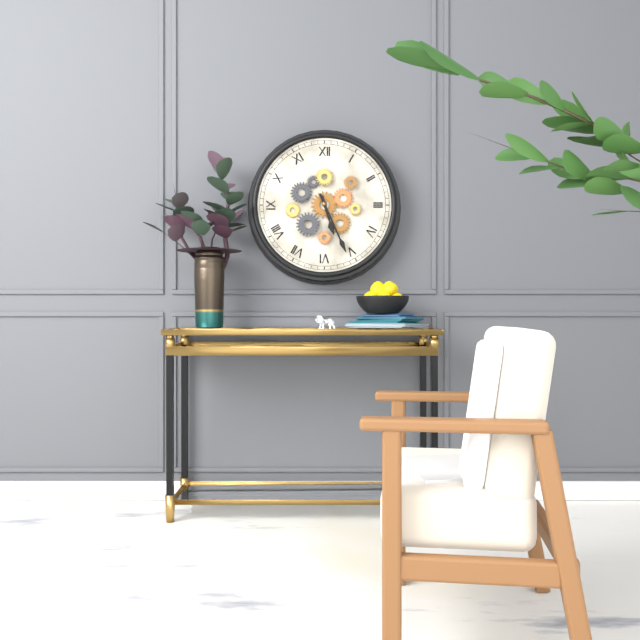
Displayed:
5,26
